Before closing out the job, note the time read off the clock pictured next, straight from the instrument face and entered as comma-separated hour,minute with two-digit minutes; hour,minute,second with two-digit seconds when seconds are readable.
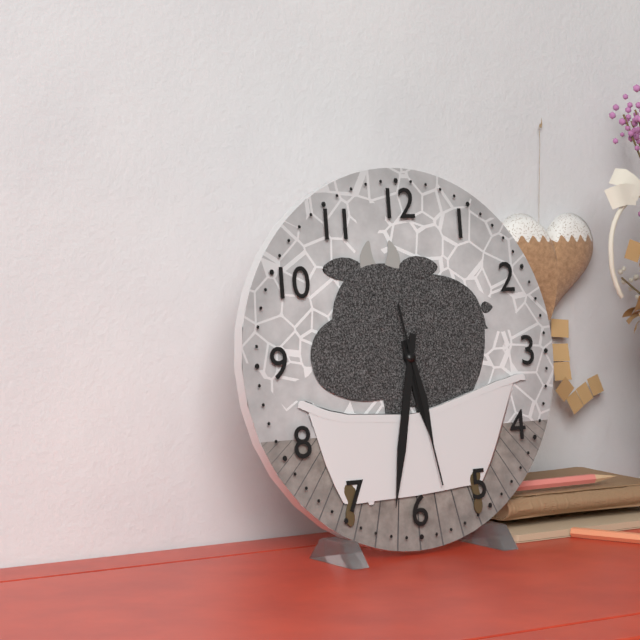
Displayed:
5,32,28
